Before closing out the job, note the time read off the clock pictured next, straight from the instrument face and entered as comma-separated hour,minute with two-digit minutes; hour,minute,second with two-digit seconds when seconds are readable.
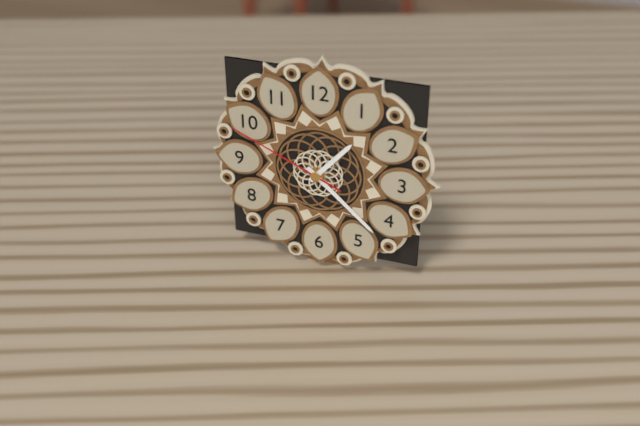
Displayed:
1,22,49
